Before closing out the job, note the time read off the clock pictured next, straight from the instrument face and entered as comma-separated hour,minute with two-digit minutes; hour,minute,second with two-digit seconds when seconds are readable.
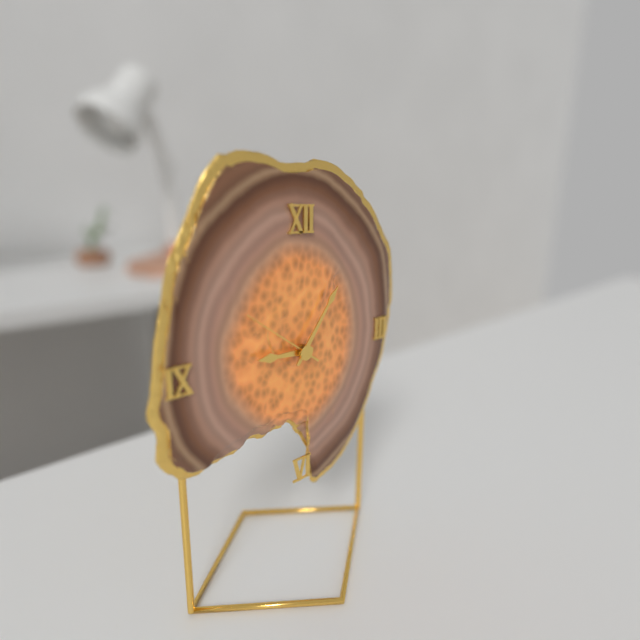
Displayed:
9,06,51
